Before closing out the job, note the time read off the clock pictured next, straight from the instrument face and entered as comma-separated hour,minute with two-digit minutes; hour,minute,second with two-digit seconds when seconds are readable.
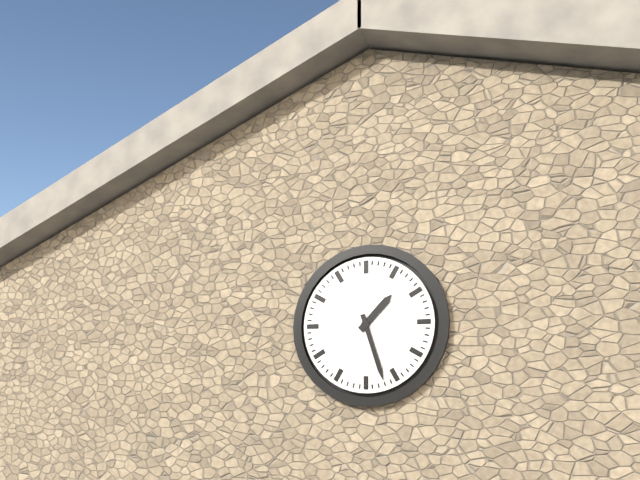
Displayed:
1,27
